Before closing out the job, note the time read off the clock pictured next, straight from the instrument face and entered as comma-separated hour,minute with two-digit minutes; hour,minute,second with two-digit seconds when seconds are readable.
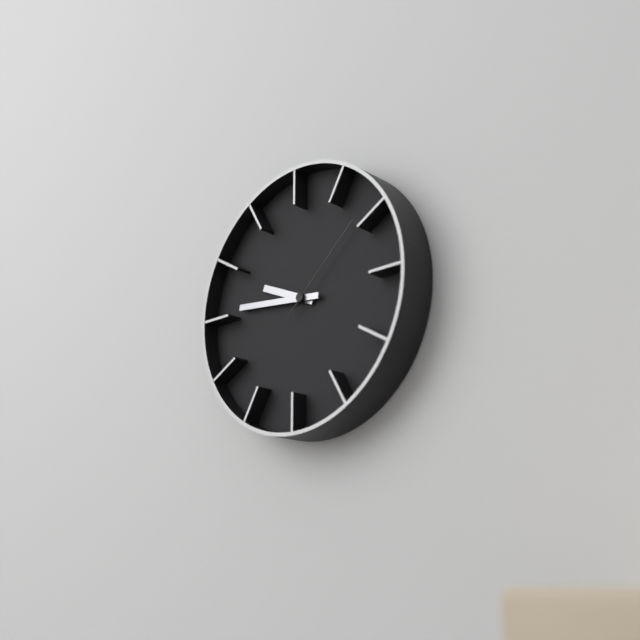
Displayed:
9,46,08
